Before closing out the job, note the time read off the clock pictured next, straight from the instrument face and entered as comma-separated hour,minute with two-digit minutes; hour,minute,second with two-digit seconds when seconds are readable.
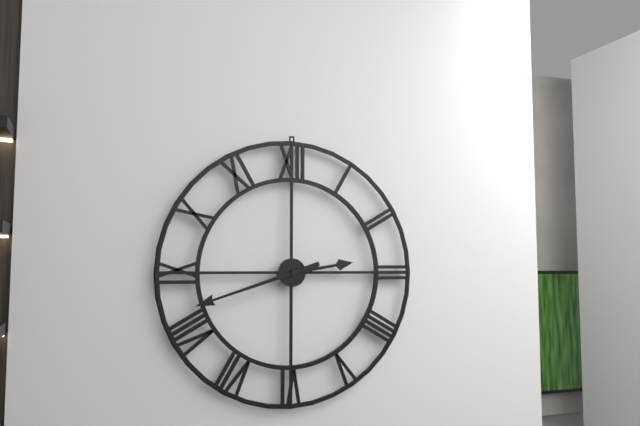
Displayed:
2,42
